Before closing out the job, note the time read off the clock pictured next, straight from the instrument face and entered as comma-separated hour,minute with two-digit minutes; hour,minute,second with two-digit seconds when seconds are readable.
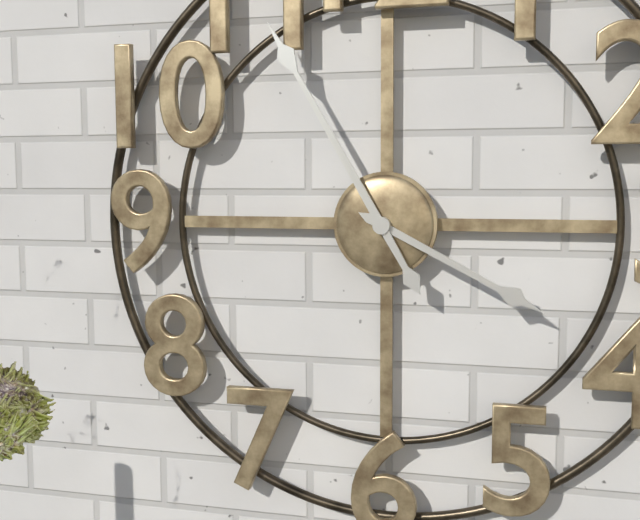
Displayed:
3,55
